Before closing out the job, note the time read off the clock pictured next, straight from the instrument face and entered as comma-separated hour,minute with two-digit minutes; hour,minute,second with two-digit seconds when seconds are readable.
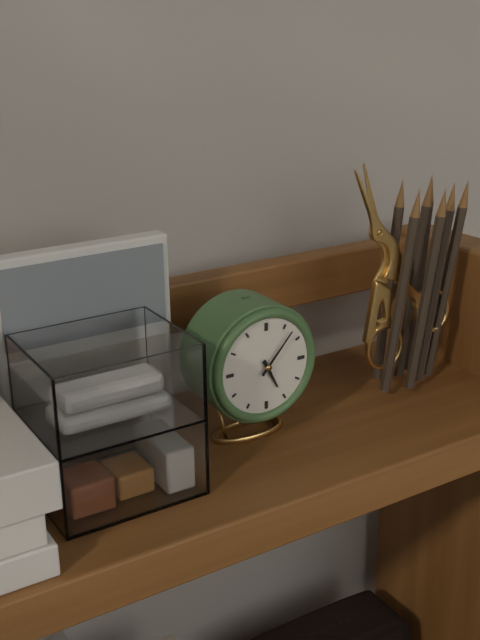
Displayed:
5,07
